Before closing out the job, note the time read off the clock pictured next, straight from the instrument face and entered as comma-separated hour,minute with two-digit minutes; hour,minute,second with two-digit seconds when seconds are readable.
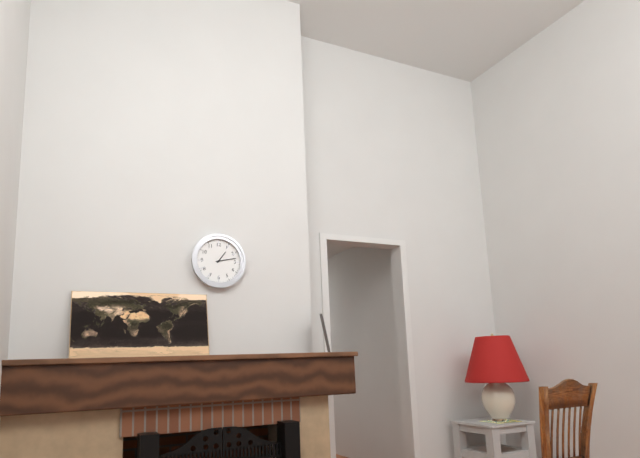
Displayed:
1,13
